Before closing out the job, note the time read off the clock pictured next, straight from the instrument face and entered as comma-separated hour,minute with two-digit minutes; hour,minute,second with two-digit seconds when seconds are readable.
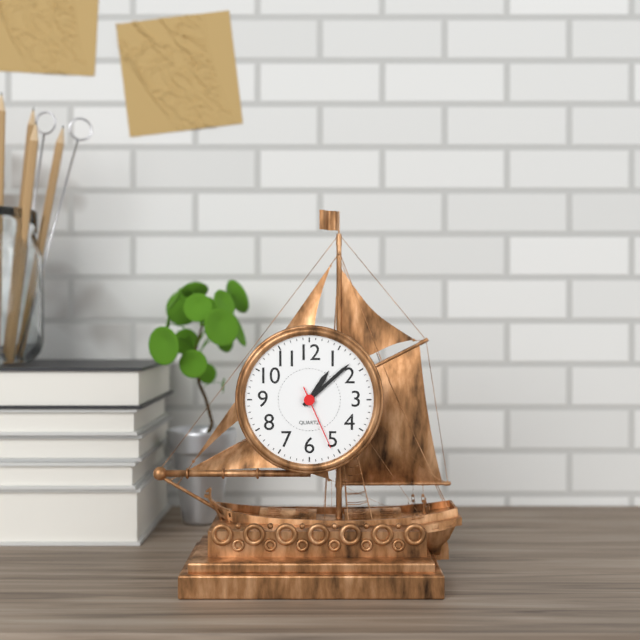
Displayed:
1,08,26
